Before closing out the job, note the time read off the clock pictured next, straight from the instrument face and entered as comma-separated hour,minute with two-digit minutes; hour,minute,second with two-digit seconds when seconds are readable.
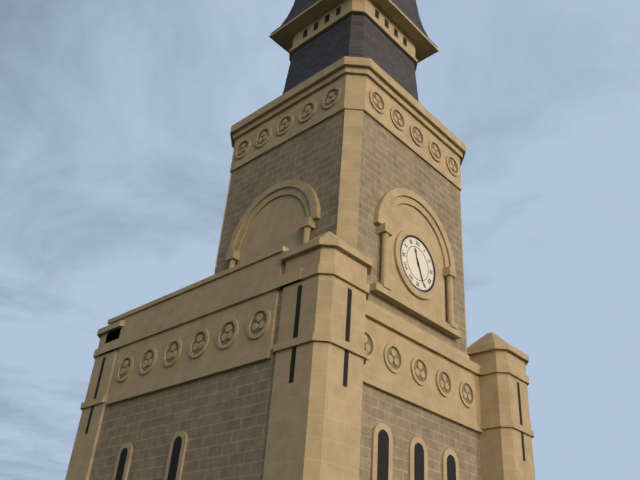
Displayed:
11,26
